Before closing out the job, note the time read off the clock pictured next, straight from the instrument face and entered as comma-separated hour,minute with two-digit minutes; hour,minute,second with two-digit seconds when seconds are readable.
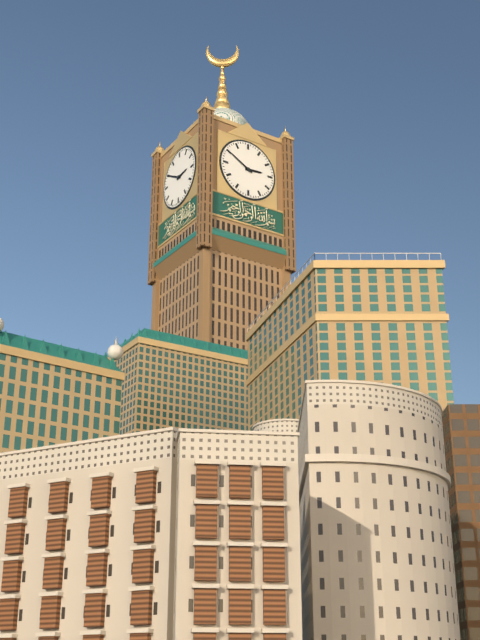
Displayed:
2,50
